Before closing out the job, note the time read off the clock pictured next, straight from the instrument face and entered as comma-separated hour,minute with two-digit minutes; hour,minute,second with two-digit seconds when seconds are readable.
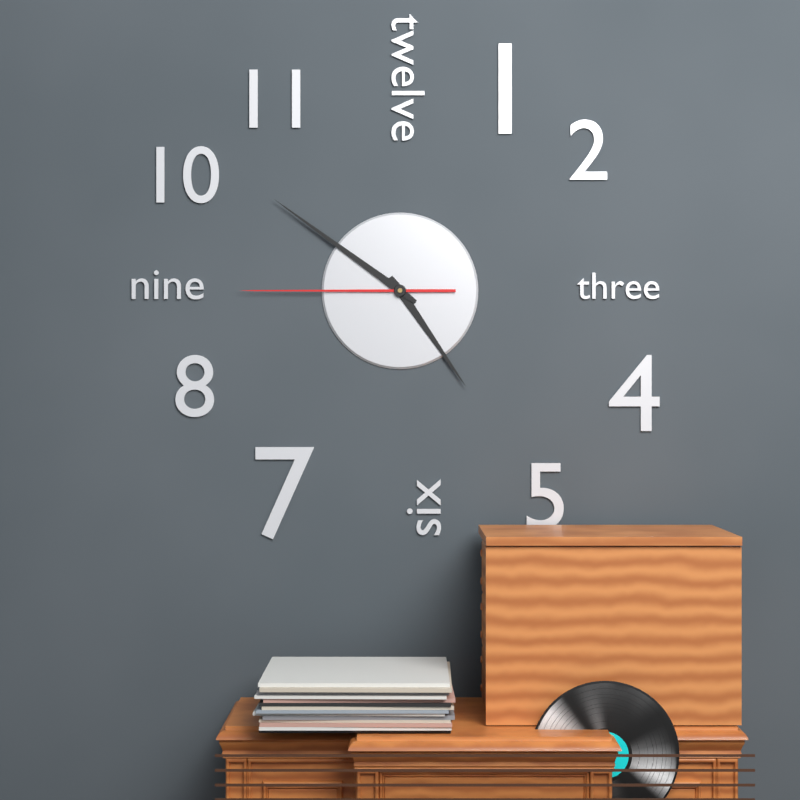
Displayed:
4,51,45
